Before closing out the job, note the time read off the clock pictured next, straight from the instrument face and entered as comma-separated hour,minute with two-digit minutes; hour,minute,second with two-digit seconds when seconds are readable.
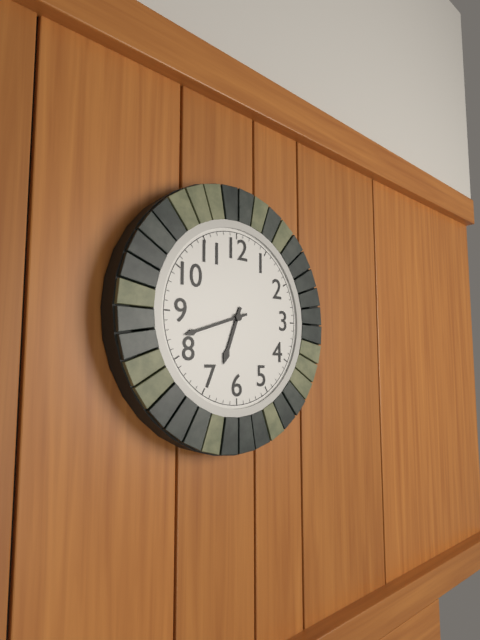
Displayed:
6,42
